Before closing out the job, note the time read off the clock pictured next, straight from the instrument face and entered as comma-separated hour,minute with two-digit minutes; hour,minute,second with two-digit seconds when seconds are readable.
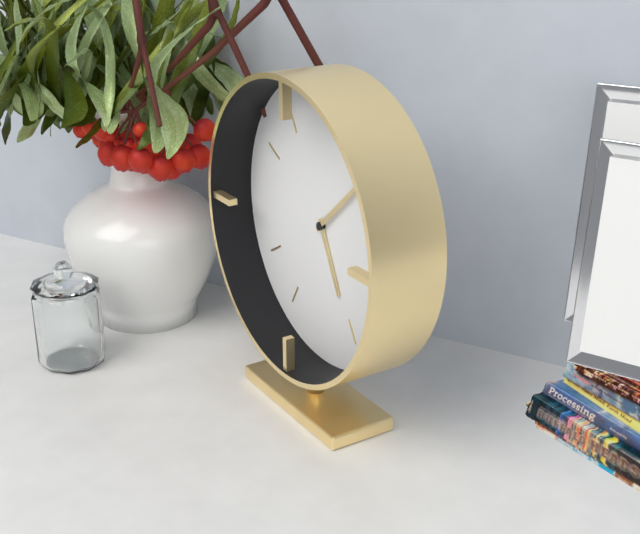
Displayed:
5,08
